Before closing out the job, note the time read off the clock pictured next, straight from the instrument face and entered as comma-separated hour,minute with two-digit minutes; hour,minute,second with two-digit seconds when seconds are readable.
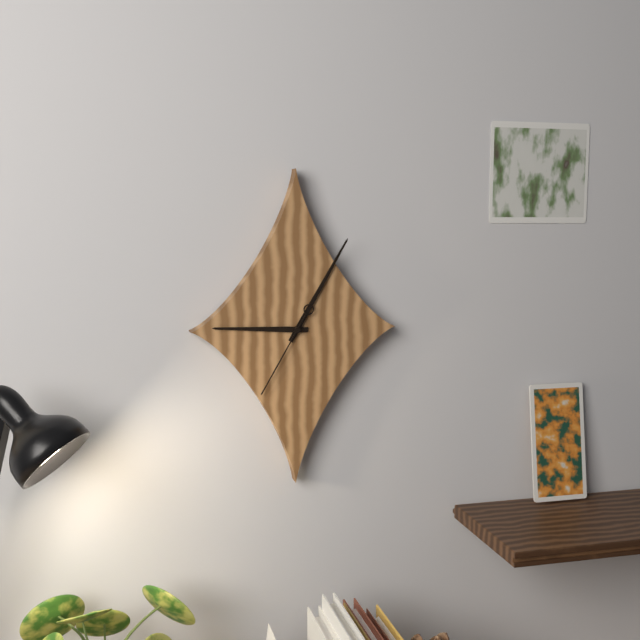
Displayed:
9,05,35
